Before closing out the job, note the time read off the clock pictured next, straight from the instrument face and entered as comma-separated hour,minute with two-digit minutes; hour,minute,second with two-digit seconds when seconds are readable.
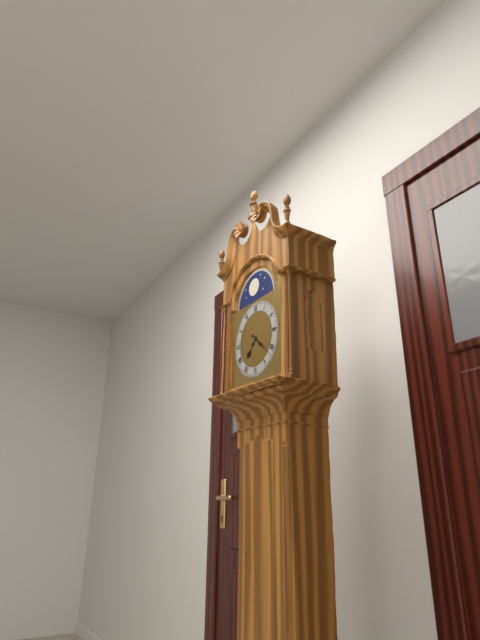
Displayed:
7,22
